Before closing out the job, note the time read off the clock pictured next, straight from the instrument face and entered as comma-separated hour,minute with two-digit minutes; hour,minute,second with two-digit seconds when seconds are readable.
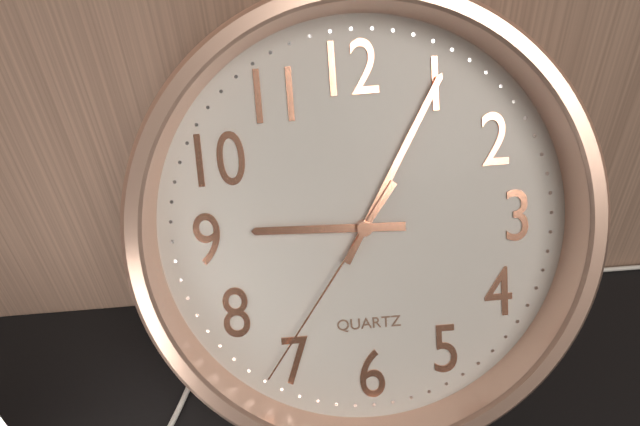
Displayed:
9,05,36
